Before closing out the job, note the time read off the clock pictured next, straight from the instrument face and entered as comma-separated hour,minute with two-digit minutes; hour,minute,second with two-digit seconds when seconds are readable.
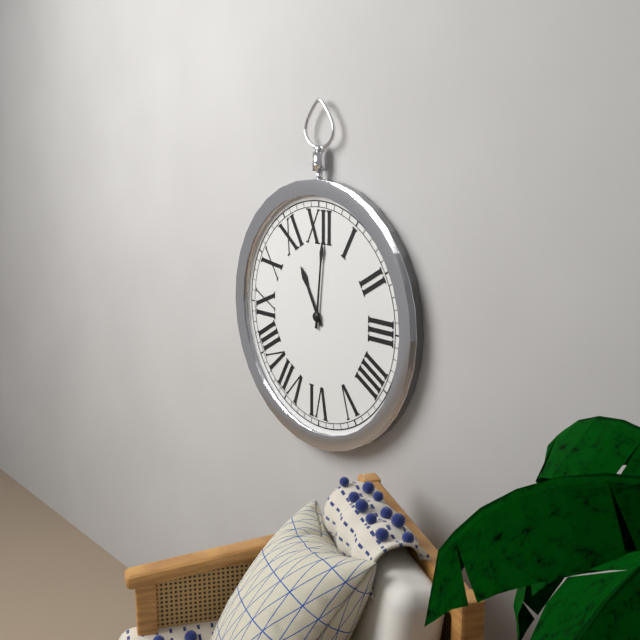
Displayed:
11,01
